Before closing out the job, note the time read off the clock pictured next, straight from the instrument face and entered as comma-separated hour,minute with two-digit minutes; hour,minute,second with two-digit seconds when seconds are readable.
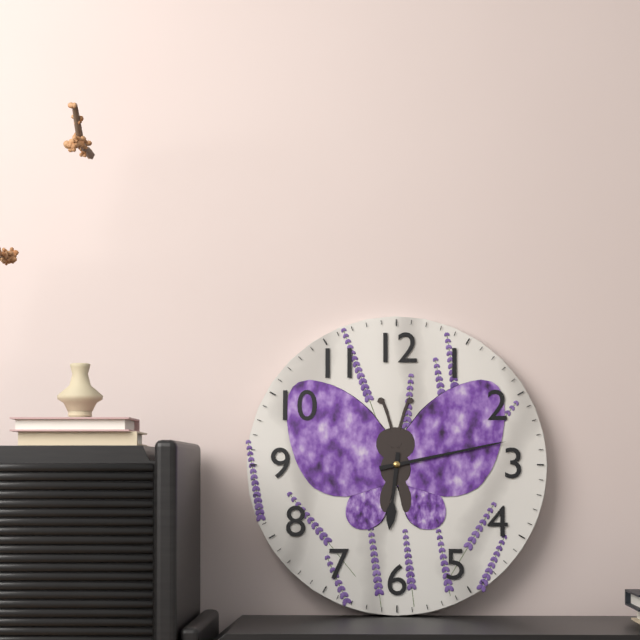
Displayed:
6,13
